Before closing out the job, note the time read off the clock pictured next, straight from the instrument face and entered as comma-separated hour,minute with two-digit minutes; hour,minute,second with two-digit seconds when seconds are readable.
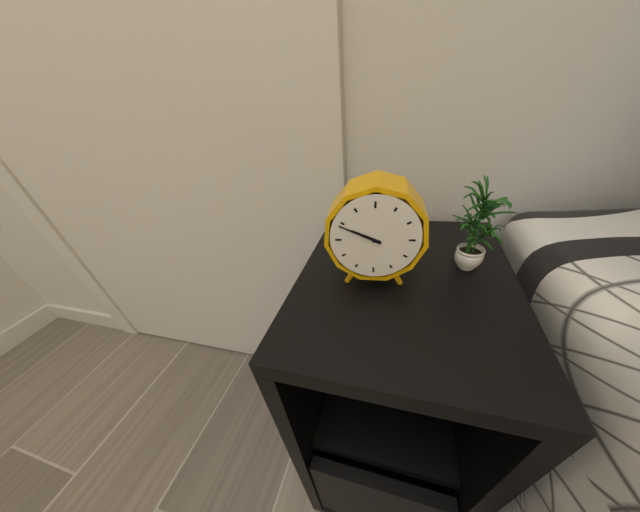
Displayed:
9,49
